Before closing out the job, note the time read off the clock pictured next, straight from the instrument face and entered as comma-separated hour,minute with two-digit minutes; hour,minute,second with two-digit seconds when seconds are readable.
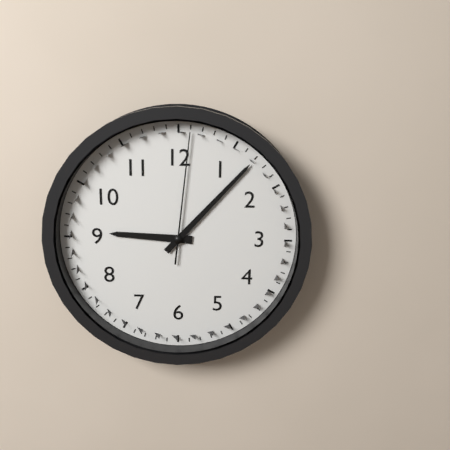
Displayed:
9,07,01
